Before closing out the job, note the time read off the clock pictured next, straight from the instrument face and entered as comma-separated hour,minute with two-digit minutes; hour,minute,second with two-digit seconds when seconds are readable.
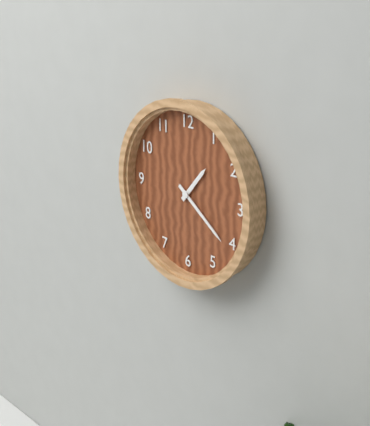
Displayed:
1,21
